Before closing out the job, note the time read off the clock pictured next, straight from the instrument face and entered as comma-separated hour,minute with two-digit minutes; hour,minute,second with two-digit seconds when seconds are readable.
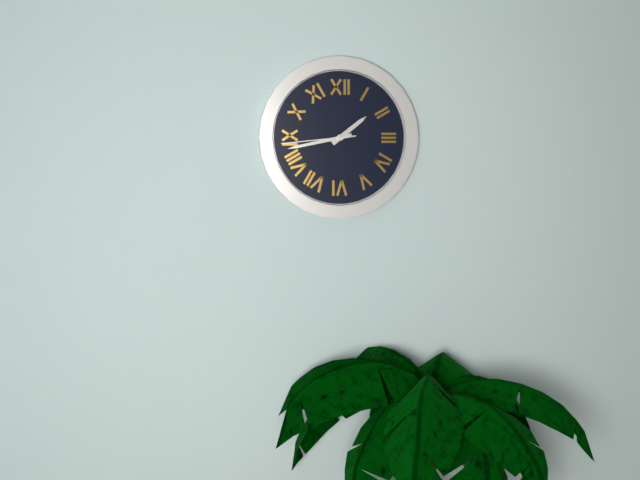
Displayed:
1,43,44
